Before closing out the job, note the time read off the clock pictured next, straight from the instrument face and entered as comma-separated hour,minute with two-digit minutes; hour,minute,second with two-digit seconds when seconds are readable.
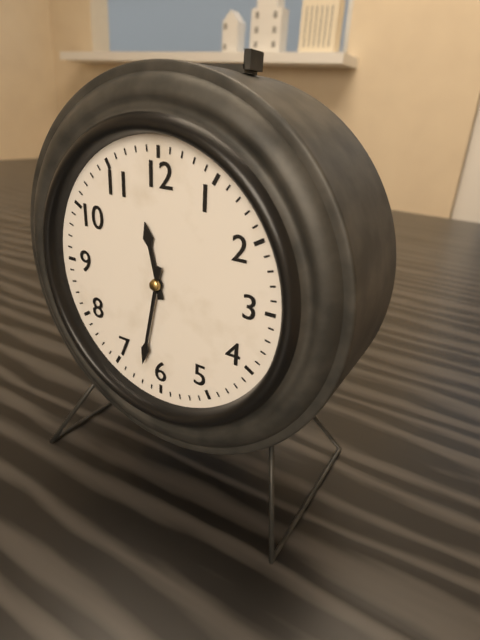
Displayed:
11,32
